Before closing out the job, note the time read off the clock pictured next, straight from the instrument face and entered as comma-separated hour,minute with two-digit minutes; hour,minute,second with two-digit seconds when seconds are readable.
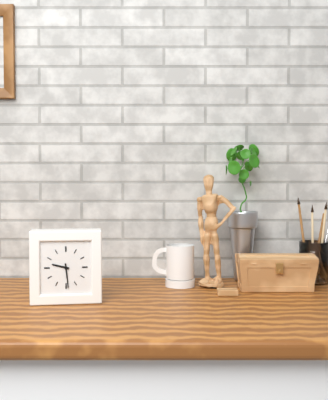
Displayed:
9,29
